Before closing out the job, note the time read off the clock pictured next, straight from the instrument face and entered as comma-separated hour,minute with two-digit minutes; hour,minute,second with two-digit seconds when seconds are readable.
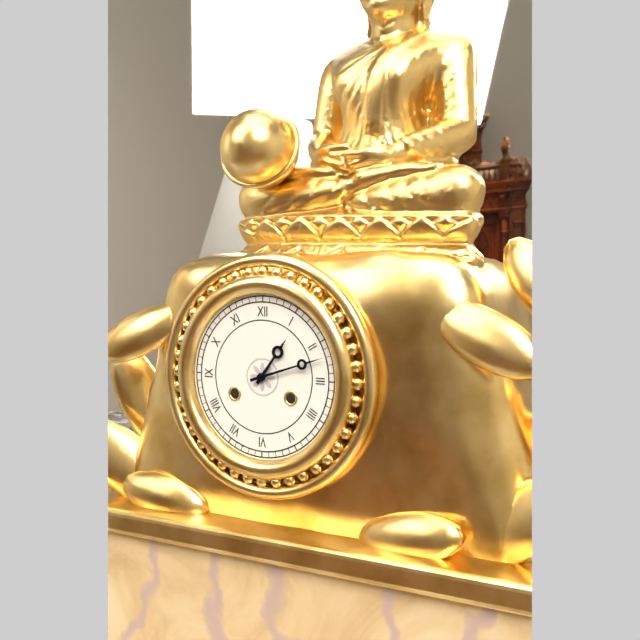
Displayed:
1,12
